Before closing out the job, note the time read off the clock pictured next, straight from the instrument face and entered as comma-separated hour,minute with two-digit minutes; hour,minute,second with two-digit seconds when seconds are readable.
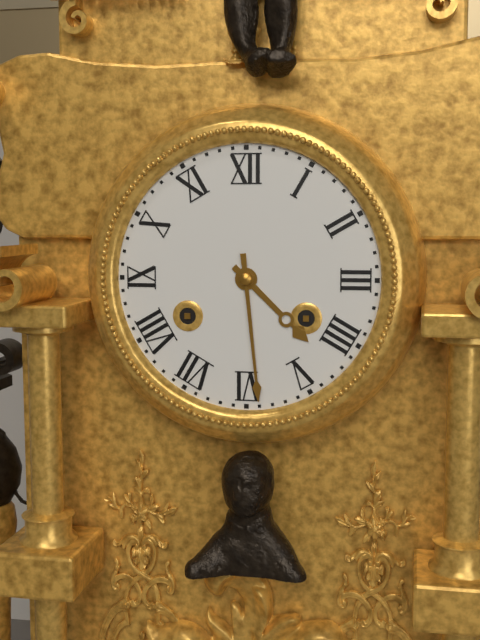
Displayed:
4,29
